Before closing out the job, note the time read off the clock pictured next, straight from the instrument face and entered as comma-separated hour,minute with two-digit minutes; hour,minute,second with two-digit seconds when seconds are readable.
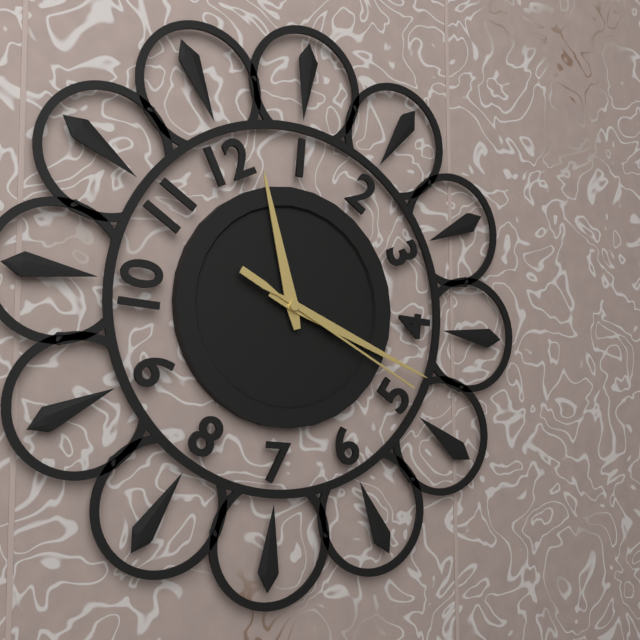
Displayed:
12,23,24
